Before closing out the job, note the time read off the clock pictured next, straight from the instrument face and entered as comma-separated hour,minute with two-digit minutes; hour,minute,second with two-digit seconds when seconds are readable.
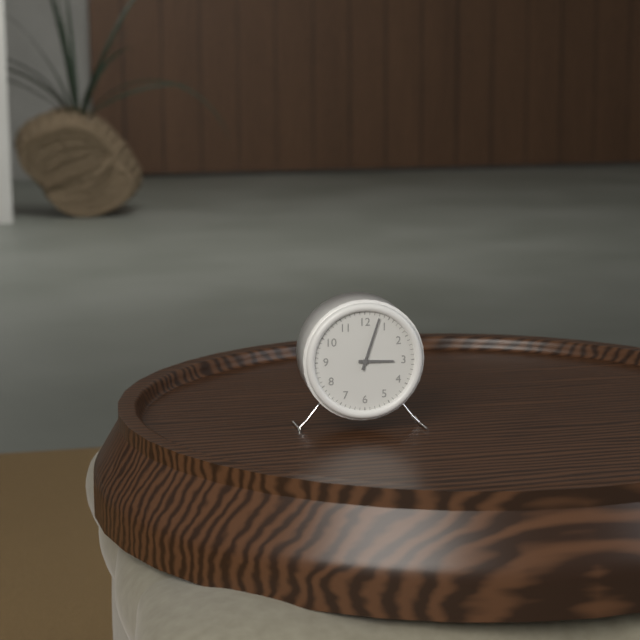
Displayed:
3,03
